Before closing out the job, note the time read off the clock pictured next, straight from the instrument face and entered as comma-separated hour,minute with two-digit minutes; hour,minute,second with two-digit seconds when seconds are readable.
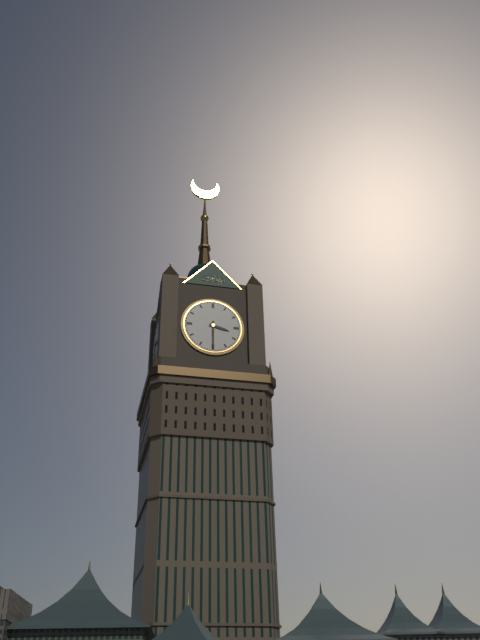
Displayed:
3,30
